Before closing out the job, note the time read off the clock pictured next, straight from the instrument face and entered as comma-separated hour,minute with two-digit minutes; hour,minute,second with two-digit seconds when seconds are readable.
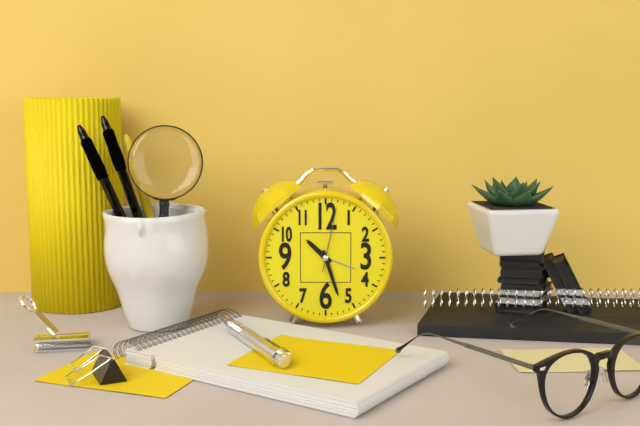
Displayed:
10,27,02
